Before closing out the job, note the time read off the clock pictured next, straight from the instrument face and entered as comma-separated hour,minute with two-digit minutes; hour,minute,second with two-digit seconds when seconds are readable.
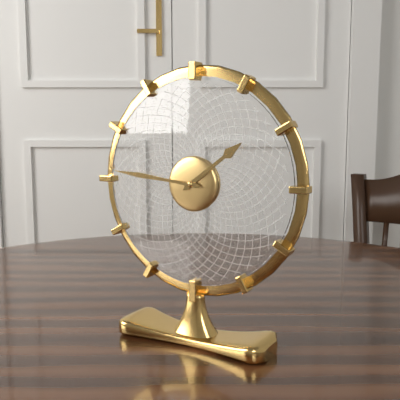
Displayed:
1,46
